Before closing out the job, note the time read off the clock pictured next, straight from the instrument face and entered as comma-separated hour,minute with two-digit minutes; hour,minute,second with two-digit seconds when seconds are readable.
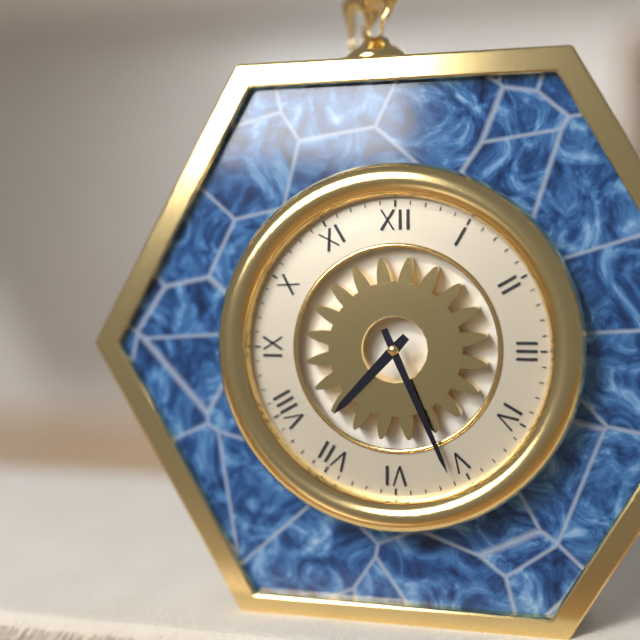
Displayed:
7,26
